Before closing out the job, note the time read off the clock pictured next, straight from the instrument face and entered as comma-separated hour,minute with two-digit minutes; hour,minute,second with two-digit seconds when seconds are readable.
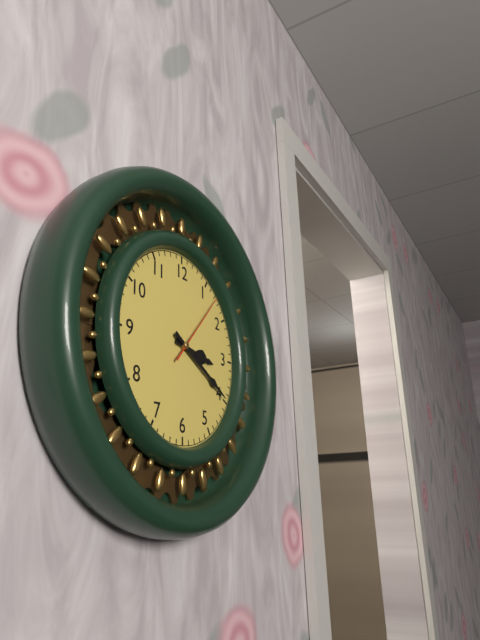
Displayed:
3,20,07
